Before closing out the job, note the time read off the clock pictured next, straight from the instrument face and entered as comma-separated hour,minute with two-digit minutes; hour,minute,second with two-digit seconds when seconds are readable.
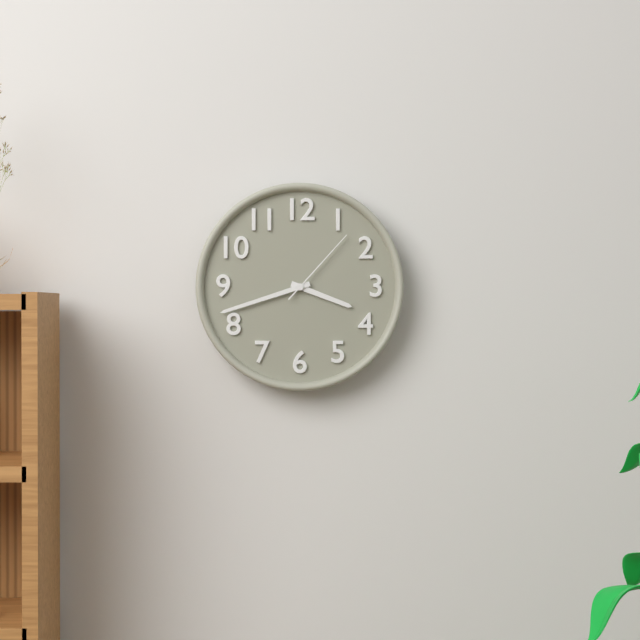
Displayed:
3,42,07
